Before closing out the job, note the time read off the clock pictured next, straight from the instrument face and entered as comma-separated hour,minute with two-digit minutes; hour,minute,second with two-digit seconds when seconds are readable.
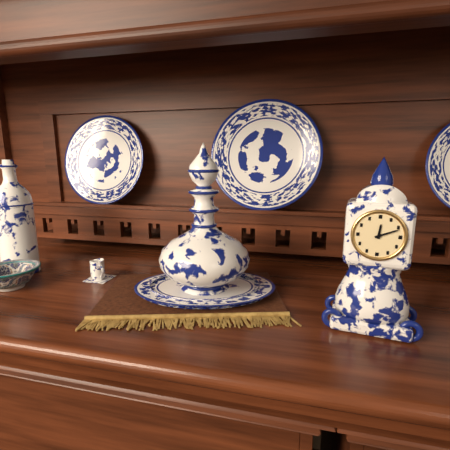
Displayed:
12,11
